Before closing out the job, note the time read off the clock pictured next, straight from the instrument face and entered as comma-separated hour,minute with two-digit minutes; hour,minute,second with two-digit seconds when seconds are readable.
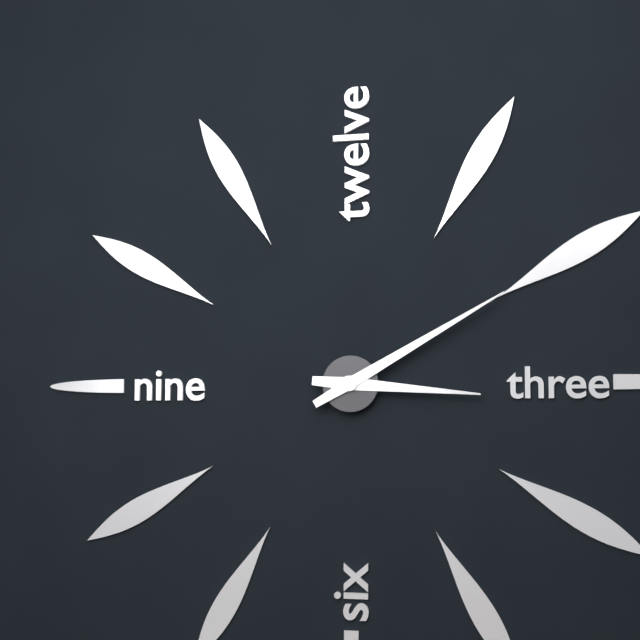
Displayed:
3,10
